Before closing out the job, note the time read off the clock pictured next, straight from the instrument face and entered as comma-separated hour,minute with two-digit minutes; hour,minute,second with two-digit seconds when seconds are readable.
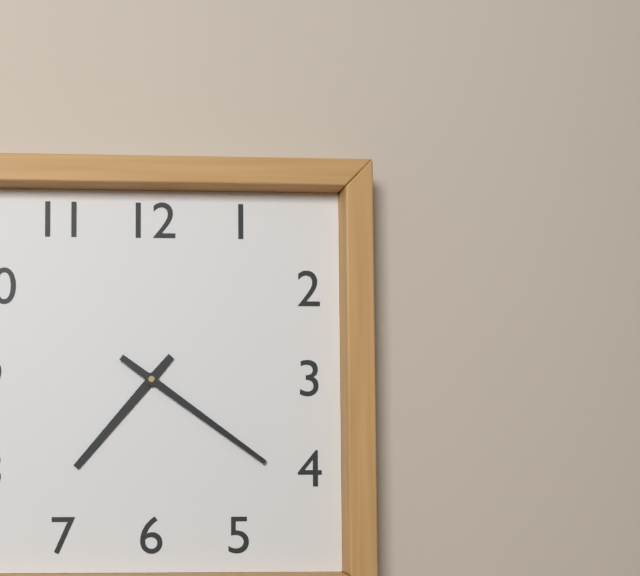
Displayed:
7,21
